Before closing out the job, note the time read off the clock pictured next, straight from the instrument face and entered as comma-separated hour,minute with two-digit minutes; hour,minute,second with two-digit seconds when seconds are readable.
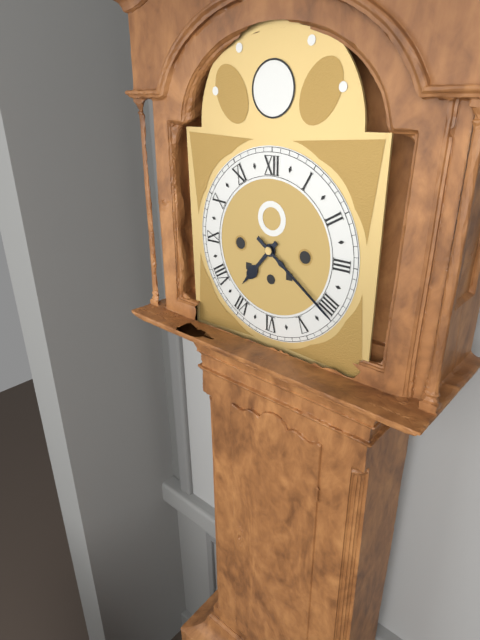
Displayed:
7,21
